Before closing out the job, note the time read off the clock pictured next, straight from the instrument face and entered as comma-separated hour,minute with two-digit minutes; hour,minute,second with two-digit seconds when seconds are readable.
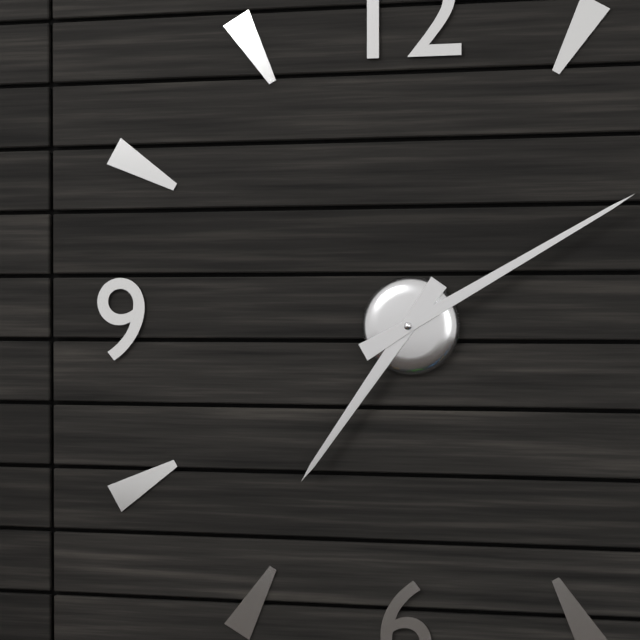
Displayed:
7,10
